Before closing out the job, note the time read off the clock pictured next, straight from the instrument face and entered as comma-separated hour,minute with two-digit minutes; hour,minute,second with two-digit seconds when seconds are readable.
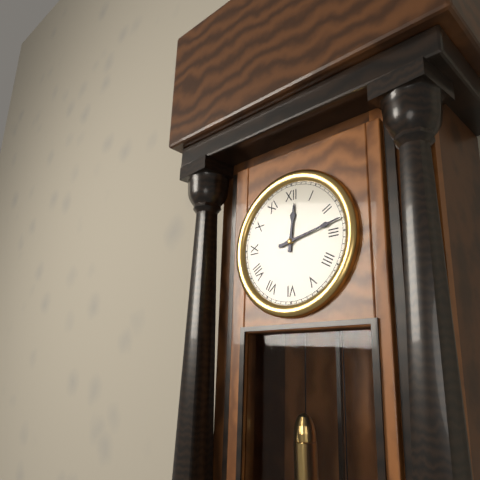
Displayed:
12,13
